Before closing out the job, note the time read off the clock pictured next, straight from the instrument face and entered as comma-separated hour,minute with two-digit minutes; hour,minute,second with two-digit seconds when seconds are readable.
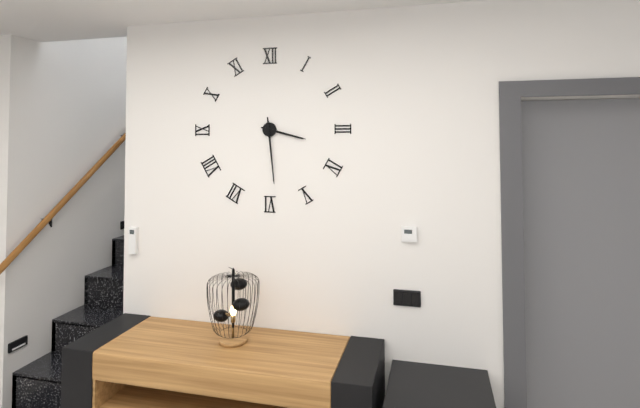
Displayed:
3,29
